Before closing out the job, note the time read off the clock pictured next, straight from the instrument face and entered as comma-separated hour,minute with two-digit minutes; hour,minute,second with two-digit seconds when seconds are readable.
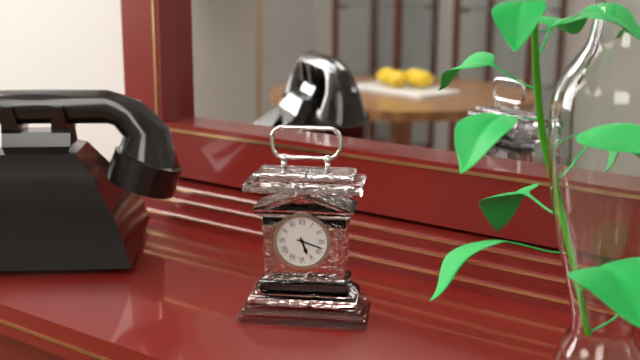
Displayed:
5,18
